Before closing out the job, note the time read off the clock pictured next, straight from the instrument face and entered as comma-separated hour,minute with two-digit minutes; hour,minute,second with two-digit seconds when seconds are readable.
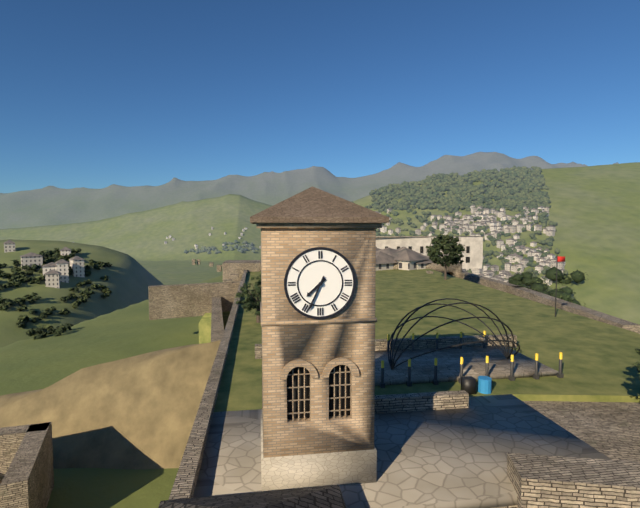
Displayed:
7,34
